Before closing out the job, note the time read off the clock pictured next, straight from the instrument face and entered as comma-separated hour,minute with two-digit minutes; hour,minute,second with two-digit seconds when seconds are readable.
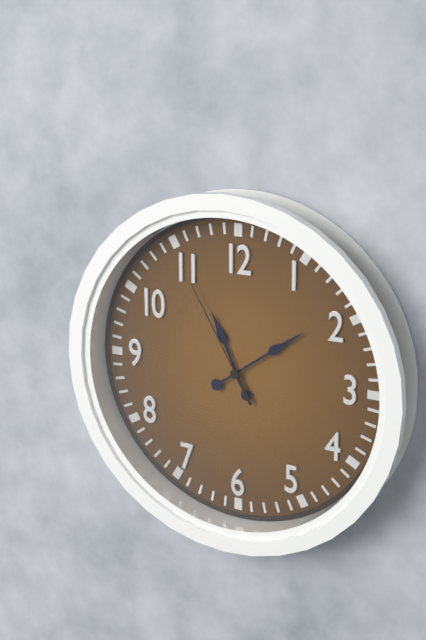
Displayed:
11,09,55
